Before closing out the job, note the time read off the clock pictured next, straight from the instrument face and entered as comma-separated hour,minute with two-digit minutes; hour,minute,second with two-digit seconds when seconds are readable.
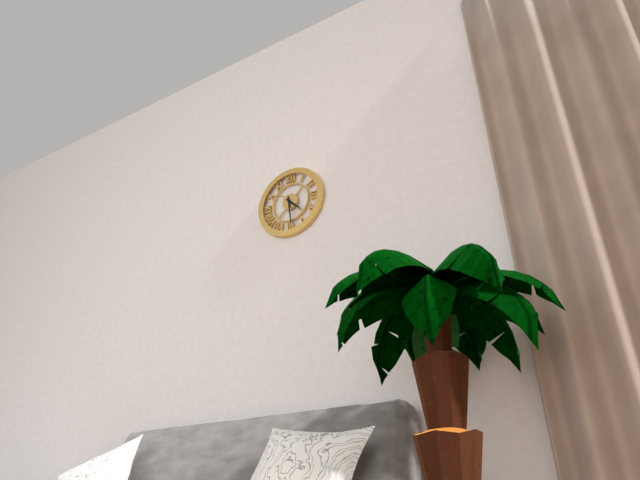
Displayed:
4,29
